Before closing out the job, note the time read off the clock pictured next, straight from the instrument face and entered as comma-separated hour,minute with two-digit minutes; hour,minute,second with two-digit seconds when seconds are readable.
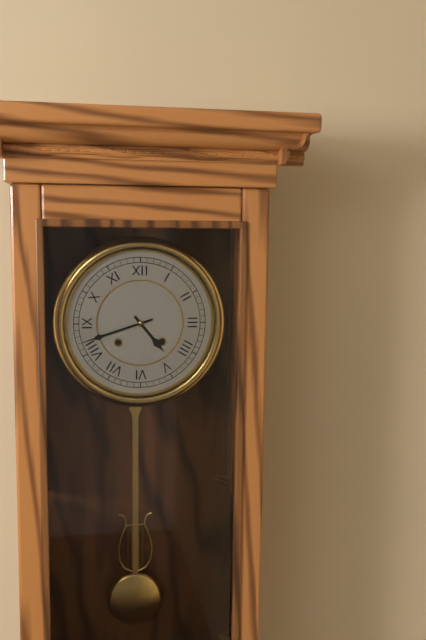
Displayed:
4,42
